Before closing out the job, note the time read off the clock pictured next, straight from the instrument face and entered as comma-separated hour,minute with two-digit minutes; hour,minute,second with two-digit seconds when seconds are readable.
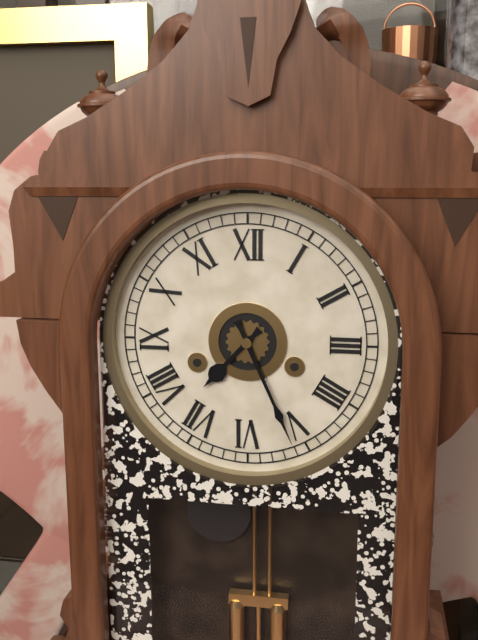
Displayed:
7,26
